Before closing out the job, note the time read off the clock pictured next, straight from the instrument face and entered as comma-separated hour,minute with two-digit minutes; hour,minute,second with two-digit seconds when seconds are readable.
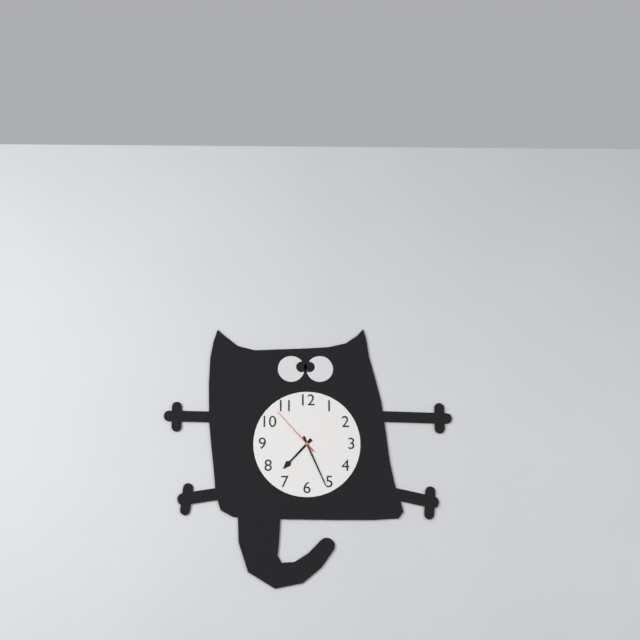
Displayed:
7,26,53
